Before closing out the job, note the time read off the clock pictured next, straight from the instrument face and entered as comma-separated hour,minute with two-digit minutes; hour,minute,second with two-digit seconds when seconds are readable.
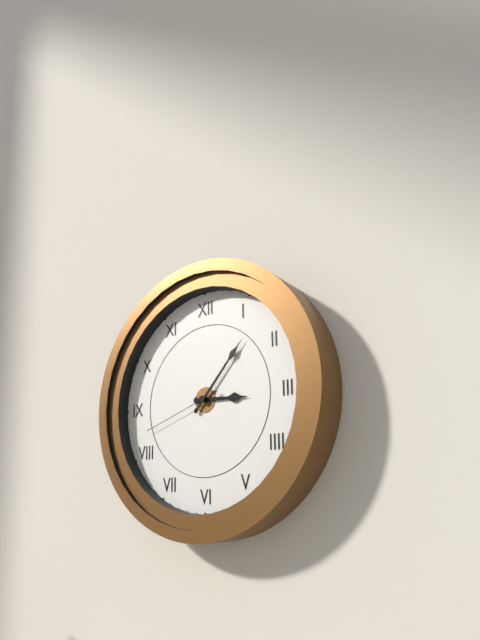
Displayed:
3,07,42
